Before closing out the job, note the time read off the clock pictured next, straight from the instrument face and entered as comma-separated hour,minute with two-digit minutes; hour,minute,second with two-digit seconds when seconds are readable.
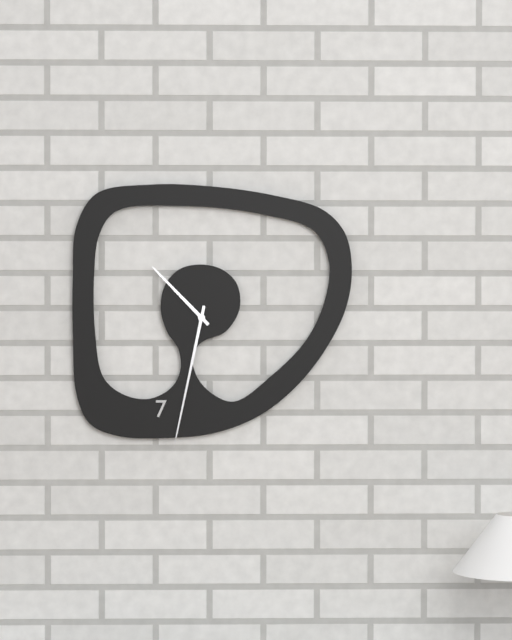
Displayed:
10,32
